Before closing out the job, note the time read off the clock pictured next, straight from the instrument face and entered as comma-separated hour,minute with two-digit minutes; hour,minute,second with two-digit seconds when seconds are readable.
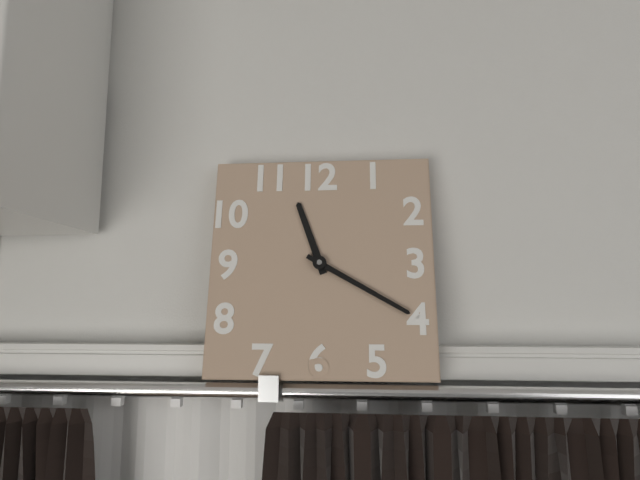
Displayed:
11,20
